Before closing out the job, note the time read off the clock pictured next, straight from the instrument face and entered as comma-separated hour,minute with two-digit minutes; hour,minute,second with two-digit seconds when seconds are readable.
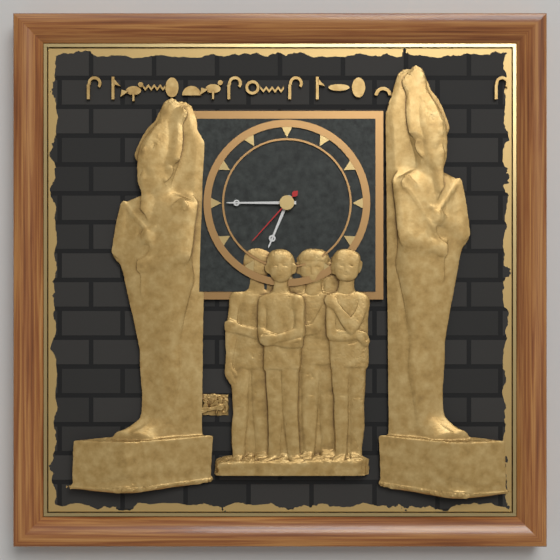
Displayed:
6,45,37
